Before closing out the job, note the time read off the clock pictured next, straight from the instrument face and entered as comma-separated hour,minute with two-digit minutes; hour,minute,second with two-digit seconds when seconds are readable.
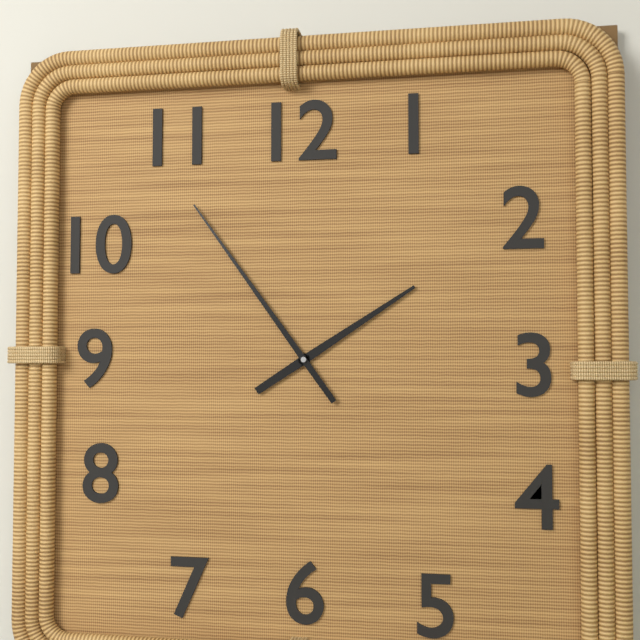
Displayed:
1,54
